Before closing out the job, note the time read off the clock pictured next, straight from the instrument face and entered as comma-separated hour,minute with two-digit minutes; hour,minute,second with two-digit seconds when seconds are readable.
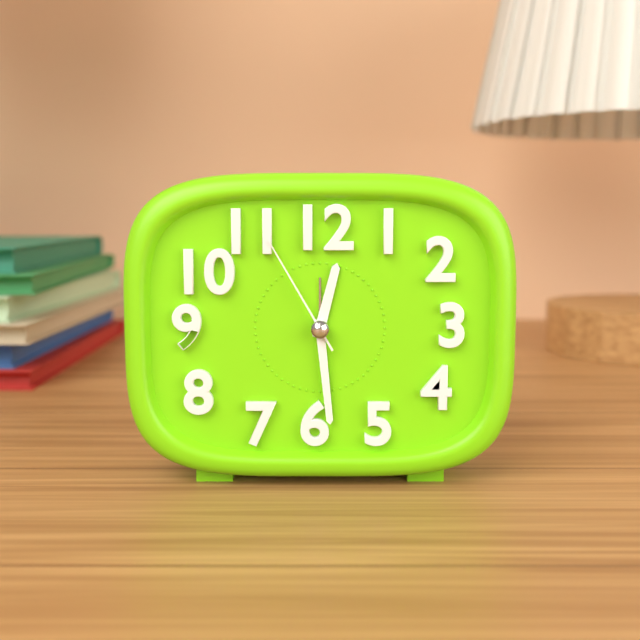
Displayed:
12,29,55
